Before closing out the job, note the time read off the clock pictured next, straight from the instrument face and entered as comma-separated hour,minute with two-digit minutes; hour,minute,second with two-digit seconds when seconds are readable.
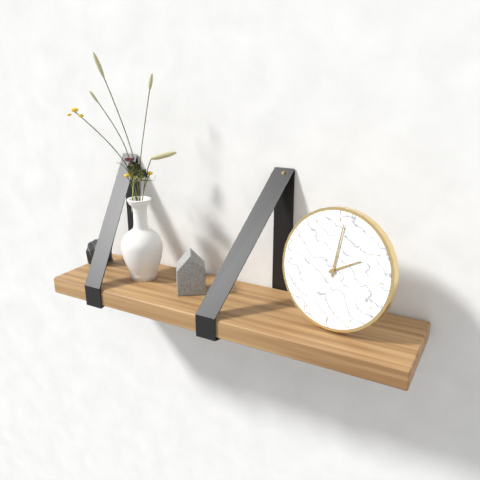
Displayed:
2,01
